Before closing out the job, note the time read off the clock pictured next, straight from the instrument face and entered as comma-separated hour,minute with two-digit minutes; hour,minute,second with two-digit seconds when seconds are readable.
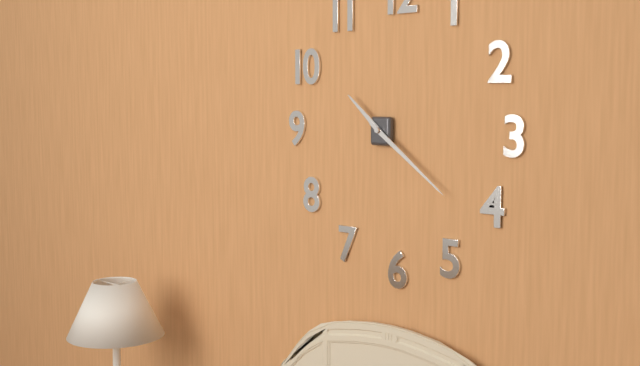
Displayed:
10,21
